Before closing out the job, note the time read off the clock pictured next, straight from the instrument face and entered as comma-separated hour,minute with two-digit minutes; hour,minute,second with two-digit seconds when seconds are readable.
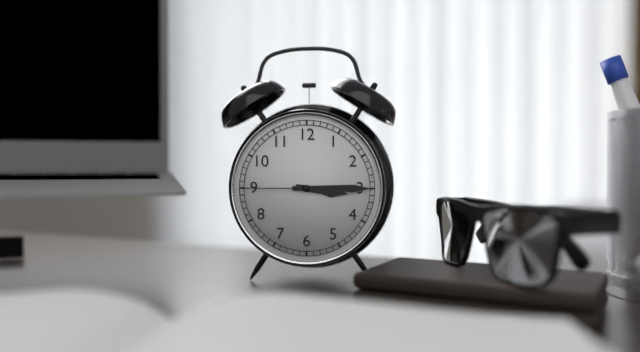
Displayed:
3,15,45
